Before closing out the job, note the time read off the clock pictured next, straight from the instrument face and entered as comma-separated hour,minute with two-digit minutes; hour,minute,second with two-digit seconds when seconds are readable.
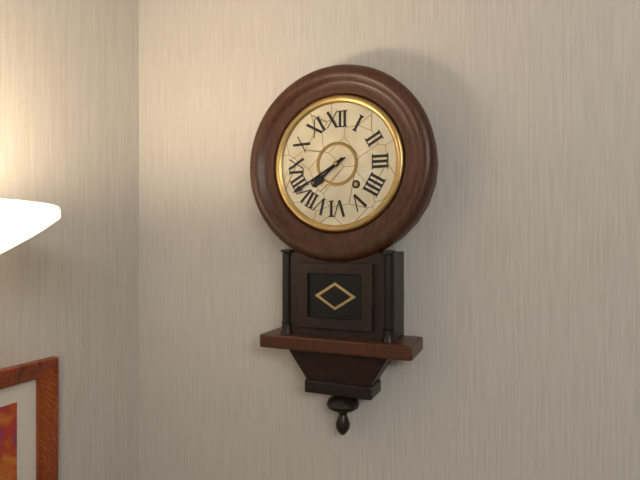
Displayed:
7,40
